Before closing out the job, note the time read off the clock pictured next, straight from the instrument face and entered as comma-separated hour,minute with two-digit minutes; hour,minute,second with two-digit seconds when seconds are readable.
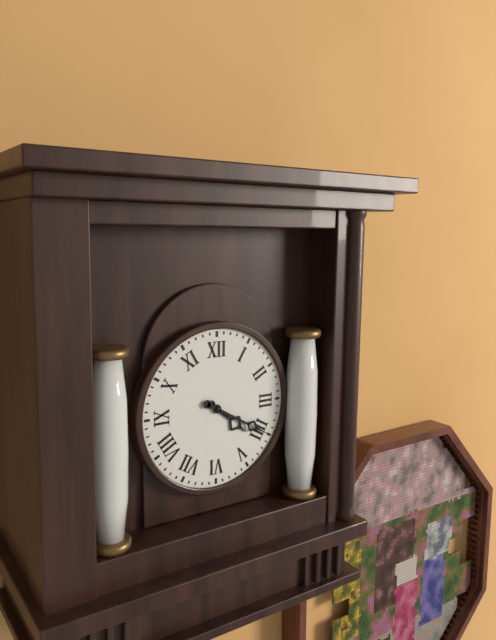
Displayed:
4,20
